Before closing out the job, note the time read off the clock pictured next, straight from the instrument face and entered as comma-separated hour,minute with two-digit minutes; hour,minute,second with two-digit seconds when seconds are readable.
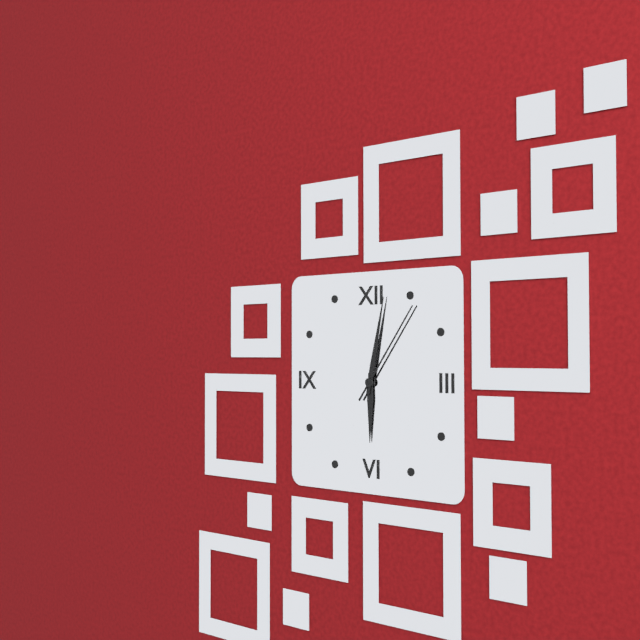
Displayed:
6,02,06
